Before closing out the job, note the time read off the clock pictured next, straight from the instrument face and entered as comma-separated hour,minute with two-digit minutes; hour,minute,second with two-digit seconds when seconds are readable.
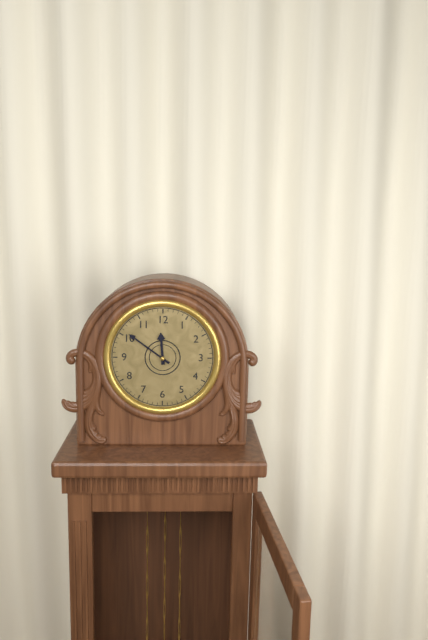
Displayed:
11,51
